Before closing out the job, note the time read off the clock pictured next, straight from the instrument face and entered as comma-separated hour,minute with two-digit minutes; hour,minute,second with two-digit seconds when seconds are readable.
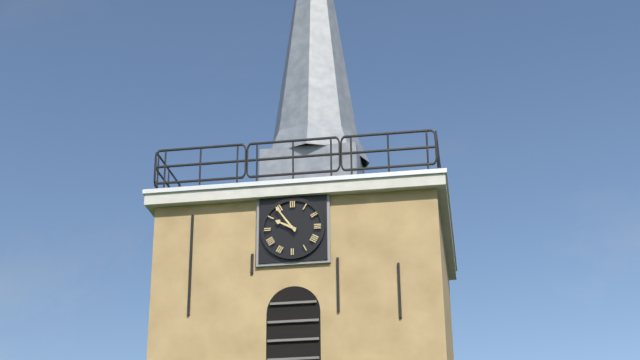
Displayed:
9,54
